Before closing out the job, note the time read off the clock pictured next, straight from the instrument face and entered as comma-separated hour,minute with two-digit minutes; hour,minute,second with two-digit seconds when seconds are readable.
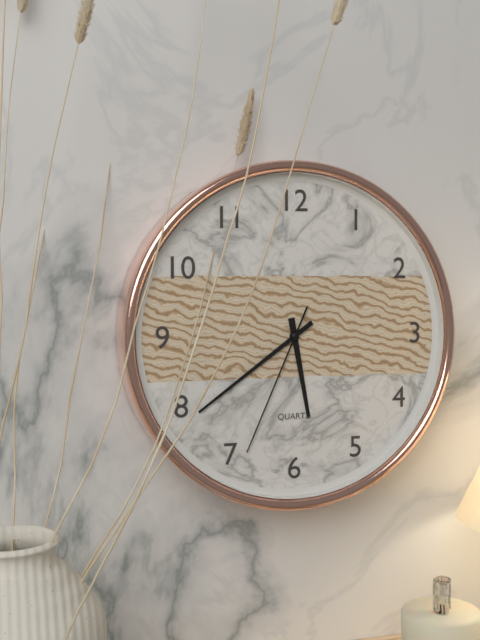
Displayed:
5,39,34
